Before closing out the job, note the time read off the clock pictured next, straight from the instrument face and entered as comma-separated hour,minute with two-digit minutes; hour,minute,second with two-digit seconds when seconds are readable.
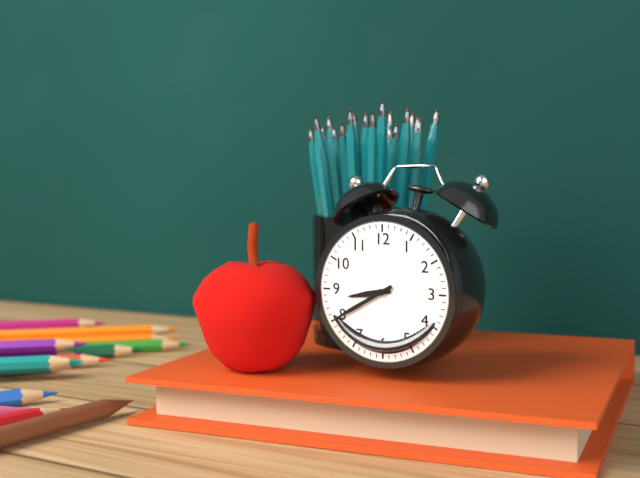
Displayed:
8,40
